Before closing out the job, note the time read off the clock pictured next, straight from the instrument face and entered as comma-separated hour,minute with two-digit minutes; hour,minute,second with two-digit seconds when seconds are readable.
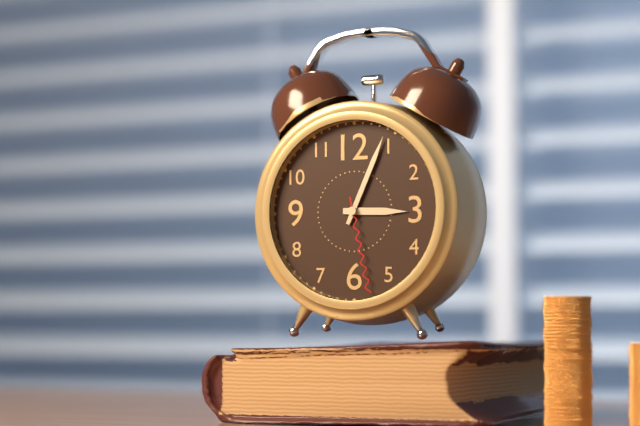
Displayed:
3,04,28
